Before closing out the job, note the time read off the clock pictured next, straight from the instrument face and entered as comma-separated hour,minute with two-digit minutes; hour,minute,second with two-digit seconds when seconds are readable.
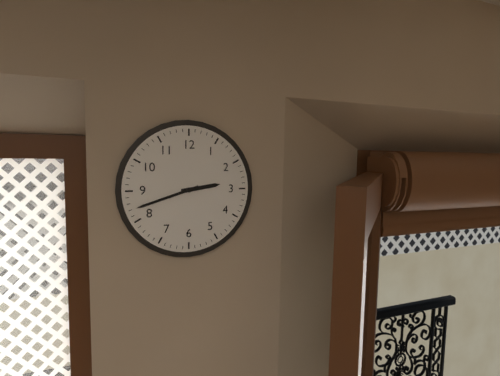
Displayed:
2,42
